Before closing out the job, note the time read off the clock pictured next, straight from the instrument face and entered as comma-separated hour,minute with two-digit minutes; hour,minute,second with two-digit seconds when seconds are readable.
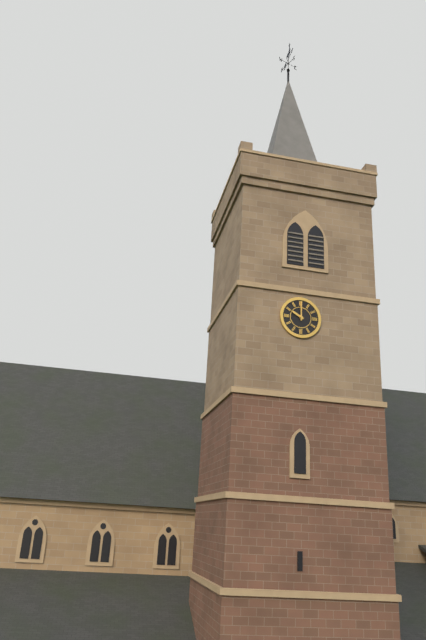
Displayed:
10,00
